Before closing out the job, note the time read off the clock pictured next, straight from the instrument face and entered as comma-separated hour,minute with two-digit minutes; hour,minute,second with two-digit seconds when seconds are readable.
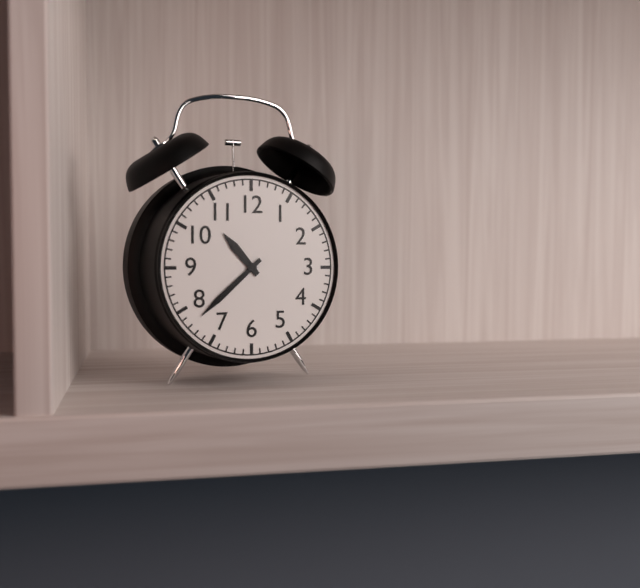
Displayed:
10,38
